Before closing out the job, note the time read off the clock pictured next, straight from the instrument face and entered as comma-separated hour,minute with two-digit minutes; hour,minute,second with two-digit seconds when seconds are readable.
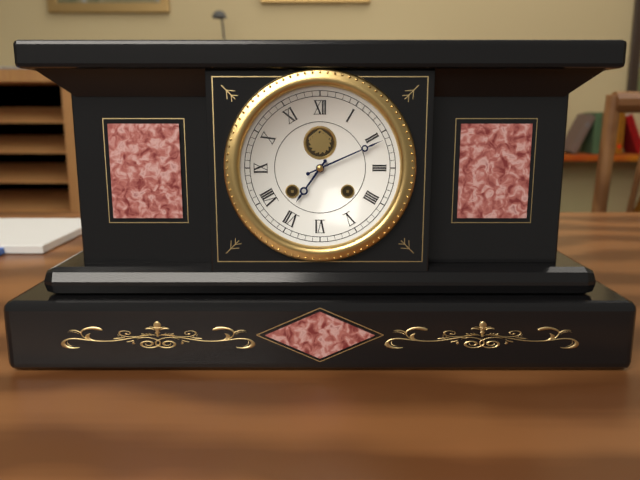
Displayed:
7,11
